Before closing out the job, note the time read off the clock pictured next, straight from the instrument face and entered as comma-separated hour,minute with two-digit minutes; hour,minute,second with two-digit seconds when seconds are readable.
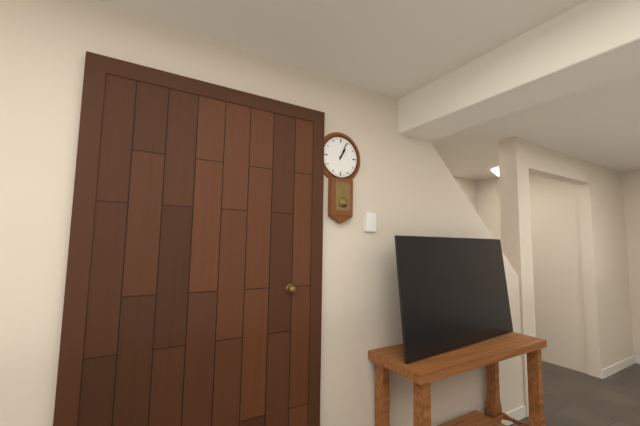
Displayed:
1,04
